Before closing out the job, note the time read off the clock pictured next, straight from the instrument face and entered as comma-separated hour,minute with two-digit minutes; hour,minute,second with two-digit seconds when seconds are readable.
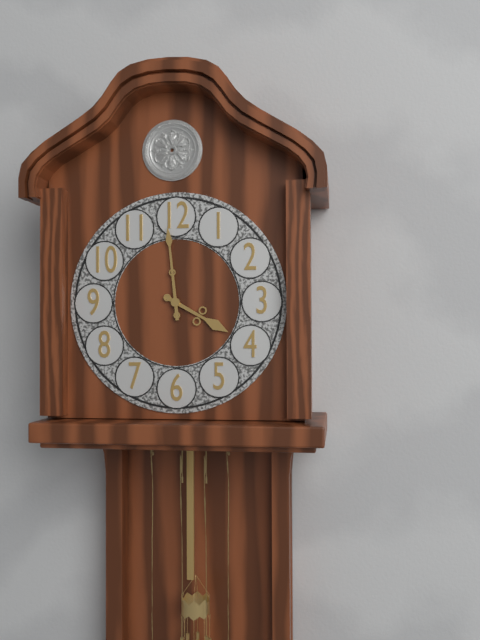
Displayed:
3,59
